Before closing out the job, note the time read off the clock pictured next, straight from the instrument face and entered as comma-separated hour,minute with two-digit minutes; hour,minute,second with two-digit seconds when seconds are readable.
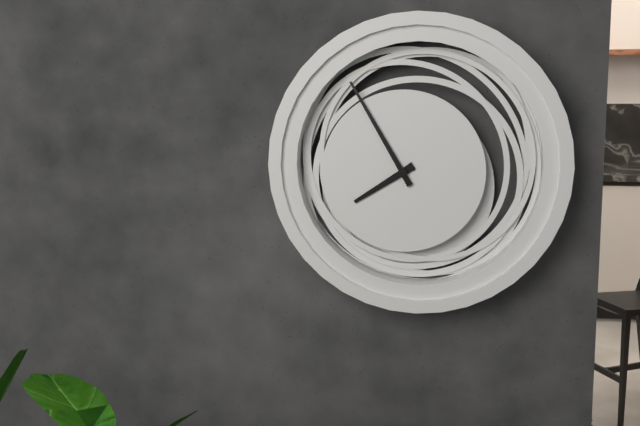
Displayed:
7,55
